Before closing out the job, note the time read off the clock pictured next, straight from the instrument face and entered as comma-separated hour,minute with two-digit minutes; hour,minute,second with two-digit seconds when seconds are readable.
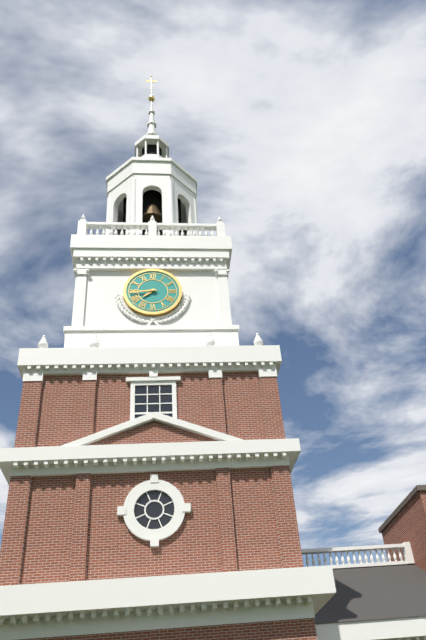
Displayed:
7,44
